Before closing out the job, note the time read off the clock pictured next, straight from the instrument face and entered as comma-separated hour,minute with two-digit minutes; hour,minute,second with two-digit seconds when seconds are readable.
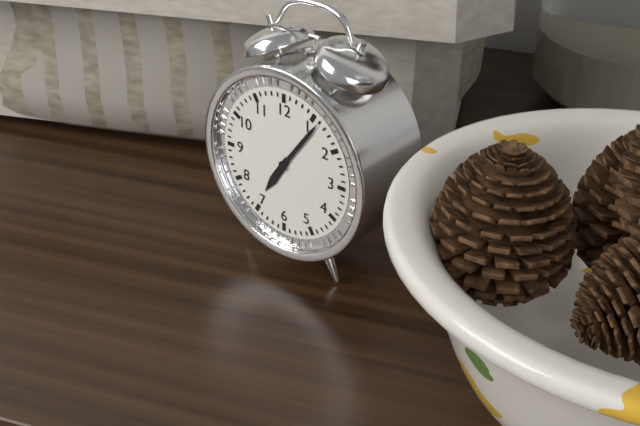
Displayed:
7,06
